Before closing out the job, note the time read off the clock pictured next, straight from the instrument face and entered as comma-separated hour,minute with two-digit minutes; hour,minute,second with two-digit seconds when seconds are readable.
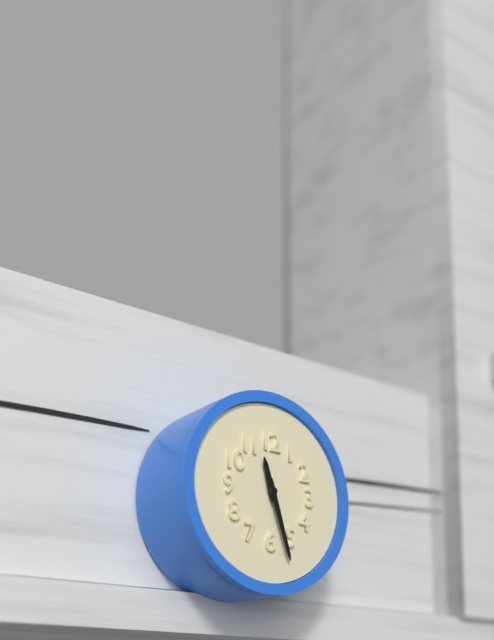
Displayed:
11,27
